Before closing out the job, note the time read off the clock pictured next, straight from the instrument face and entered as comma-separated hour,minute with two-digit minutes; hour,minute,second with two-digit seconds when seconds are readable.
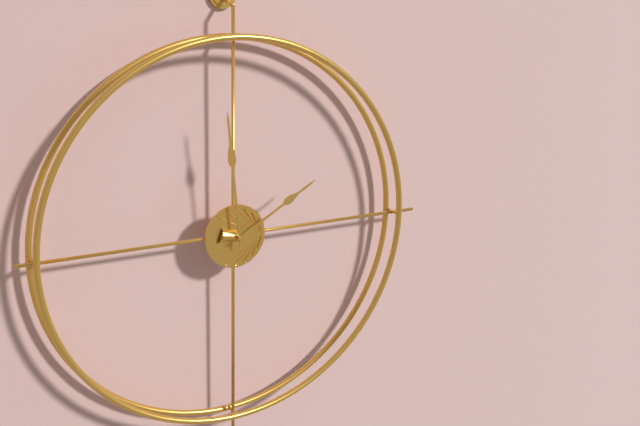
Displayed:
1,59
